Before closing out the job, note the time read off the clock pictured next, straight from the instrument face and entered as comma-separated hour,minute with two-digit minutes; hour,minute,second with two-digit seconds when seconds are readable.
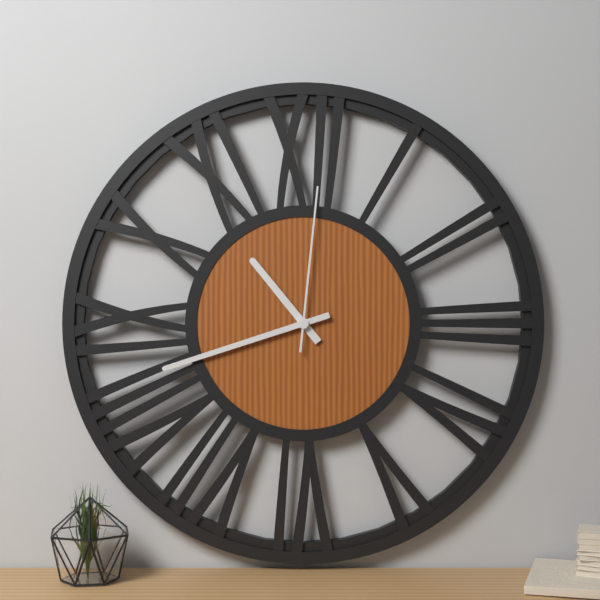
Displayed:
10,42,01
